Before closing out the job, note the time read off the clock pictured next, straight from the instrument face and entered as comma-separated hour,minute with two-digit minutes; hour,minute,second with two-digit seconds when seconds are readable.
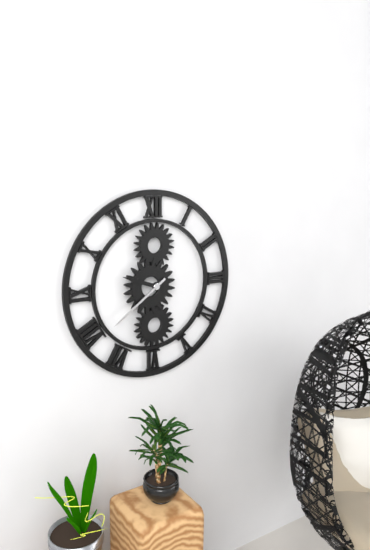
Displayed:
9,39
